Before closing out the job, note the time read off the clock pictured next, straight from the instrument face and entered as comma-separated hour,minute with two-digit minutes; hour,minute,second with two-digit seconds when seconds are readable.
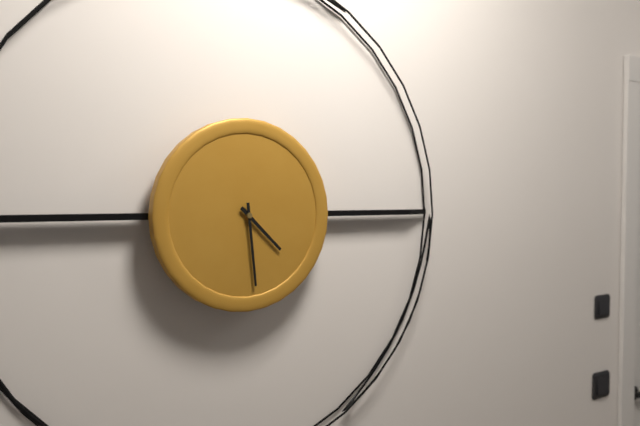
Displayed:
4,29
